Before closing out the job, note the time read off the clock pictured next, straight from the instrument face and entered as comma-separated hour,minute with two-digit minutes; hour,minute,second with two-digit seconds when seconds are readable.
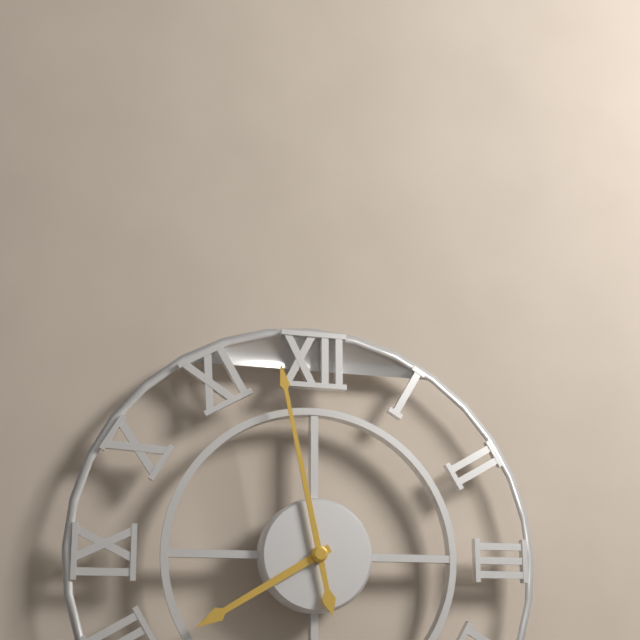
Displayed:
7,58
